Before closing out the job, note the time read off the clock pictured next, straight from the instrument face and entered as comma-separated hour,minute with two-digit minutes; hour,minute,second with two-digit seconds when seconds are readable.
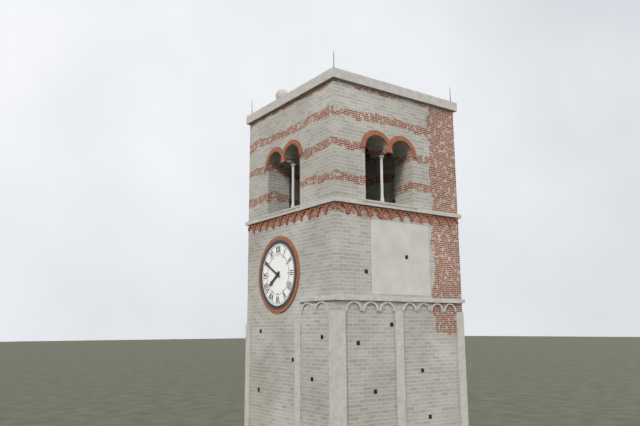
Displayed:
7,50
